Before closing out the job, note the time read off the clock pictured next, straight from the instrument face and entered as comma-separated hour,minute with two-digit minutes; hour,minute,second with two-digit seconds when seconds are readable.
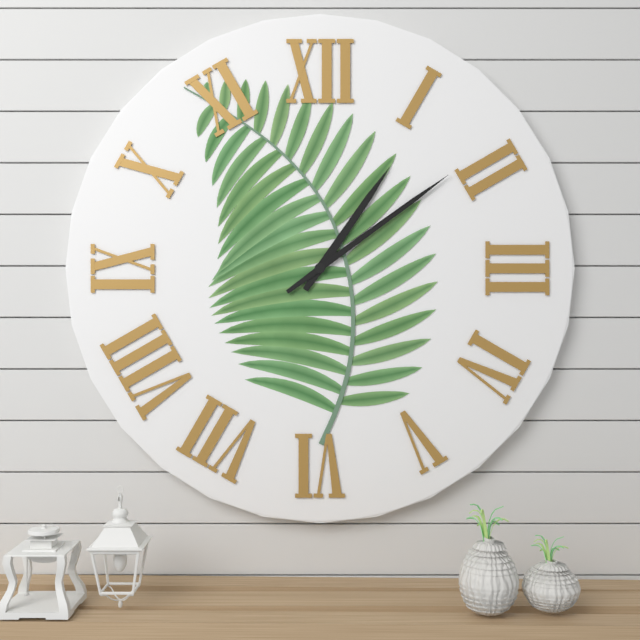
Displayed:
1,09
